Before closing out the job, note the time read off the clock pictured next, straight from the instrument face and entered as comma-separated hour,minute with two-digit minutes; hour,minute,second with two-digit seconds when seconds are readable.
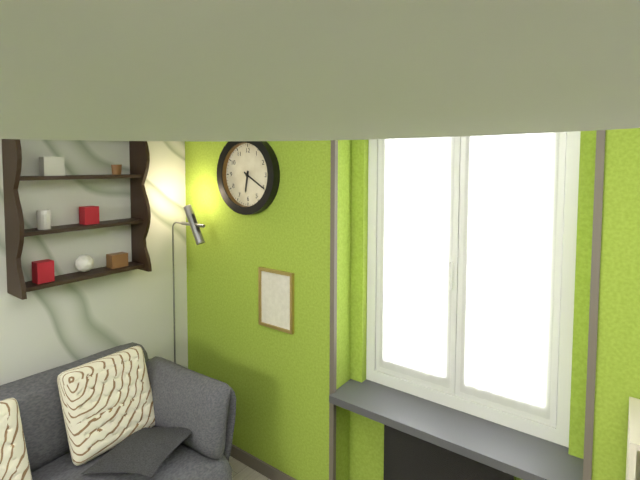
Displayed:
6,20
